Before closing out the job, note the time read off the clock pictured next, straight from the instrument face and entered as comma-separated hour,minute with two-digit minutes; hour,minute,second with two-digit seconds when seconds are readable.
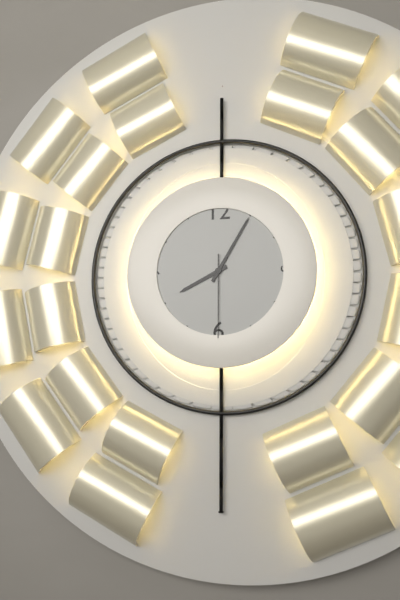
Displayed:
8,05,30
